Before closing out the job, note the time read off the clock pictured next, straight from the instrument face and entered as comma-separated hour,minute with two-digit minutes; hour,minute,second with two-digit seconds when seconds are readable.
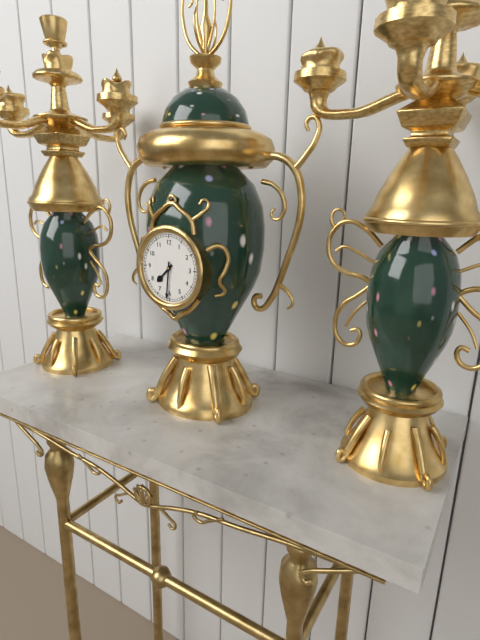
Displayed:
7,31
